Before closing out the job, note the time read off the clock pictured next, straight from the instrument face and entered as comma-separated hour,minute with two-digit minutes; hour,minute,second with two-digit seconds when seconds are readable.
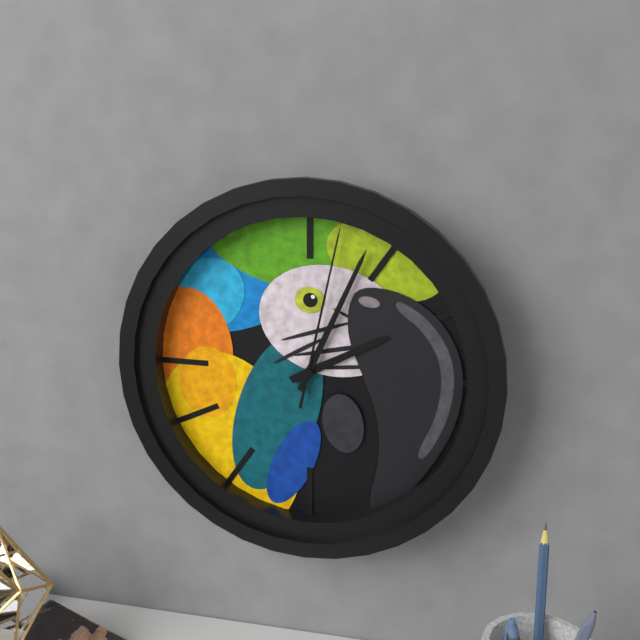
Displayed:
2,04,02
